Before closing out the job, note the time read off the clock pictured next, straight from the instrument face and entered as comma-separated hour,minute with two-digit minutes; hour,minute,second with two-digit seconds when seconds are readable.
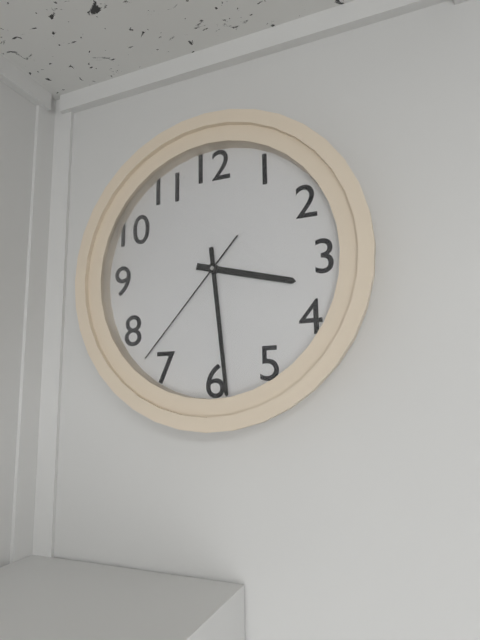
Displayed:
3,29,37
